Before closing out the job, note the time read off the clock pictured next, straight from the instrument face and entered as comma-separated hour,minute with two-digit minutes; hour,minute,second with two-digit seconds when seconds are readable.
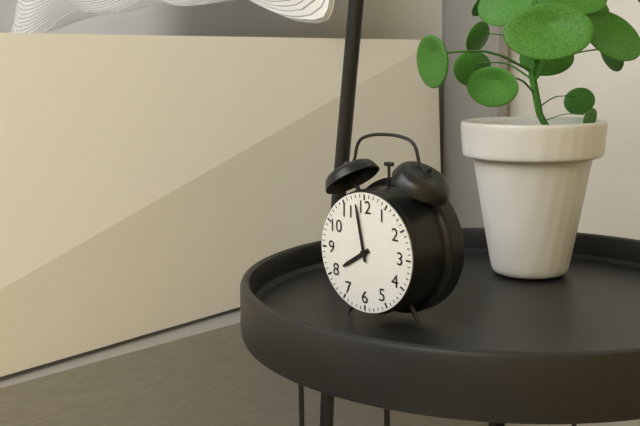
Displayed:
7,58
